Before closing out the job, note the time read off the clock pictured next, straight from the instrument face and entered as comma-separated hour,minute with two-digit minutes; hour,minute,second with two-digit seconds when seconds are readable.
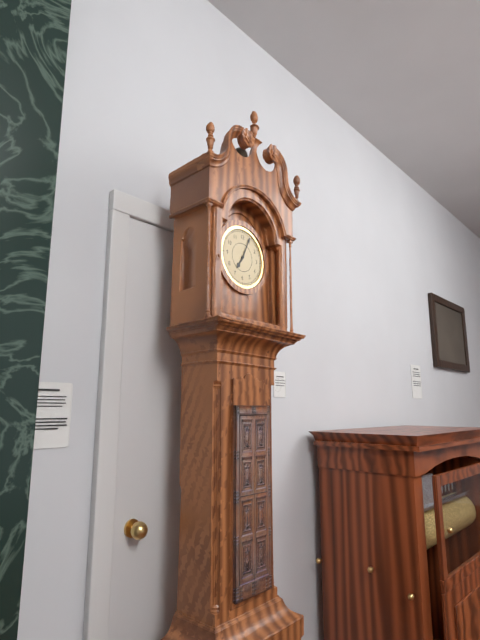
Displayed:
7,04
